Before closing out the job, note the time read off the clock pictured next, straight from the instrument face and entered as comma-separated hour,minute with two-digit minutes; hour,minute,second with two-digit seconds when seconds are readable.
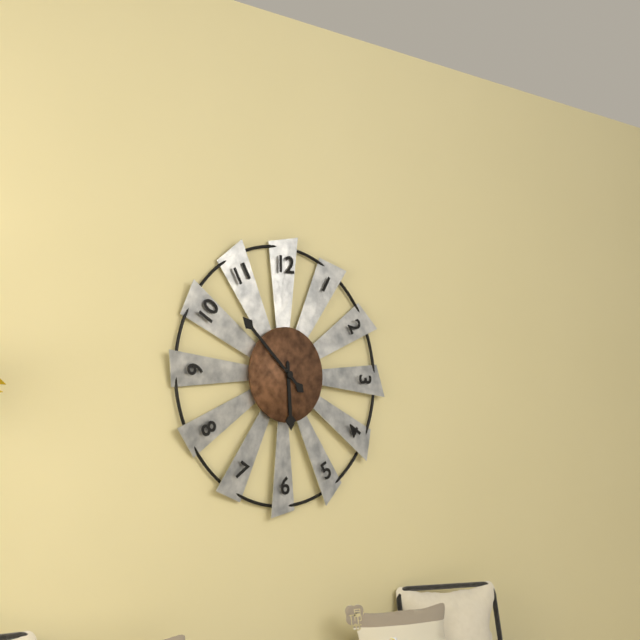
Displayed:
5,52
